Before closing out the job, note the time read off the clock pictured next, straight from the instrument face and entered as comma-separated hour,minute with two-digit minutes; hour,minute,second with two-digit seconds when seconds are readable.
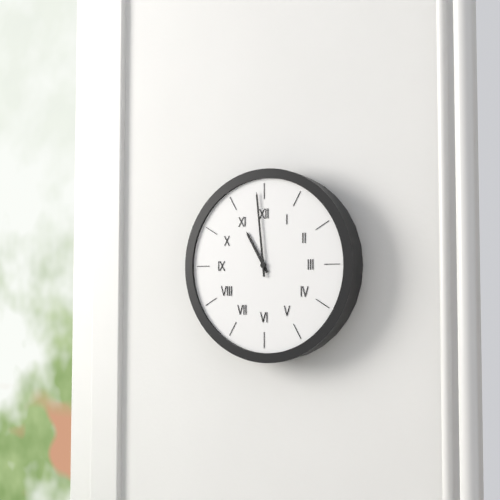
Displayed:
10,59
